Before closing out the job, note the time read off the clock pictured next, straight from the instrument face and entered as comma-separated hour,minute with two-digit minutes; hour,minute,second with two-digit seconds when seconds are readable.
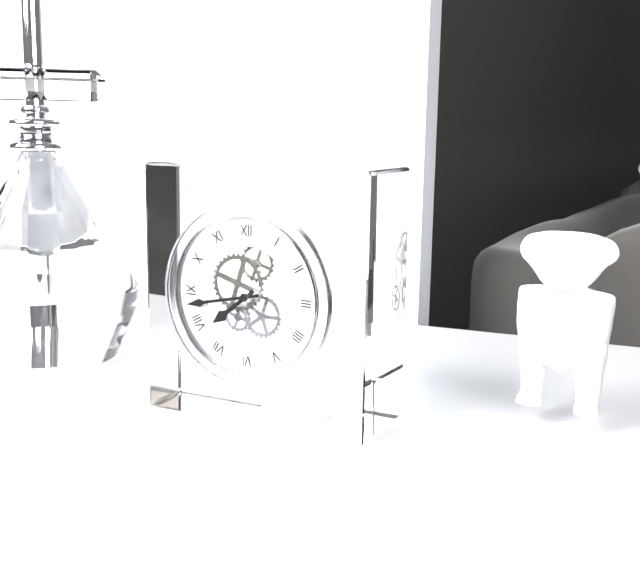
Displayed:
7,43
